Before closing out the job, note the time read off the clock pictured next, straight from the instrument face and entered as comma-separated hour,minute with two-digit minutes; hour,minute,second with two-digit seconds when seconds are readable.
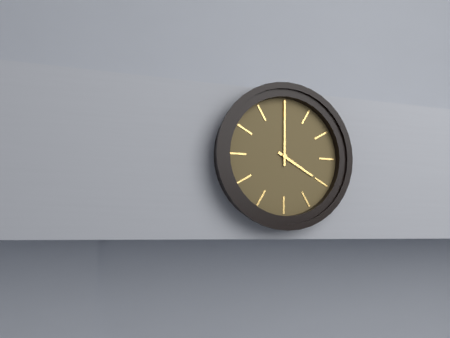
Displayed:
4,00
